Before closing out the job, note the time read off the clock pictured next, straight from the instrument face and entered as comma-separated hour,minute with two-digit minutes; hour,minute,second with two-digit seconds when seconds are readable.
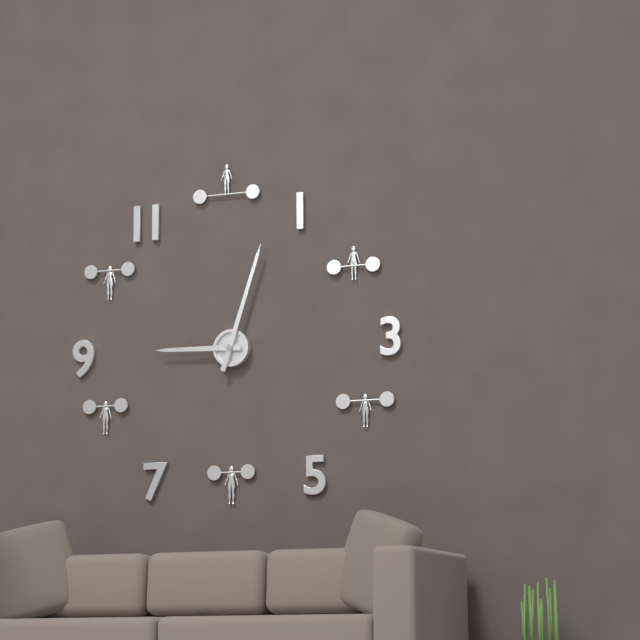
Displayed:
9,03
